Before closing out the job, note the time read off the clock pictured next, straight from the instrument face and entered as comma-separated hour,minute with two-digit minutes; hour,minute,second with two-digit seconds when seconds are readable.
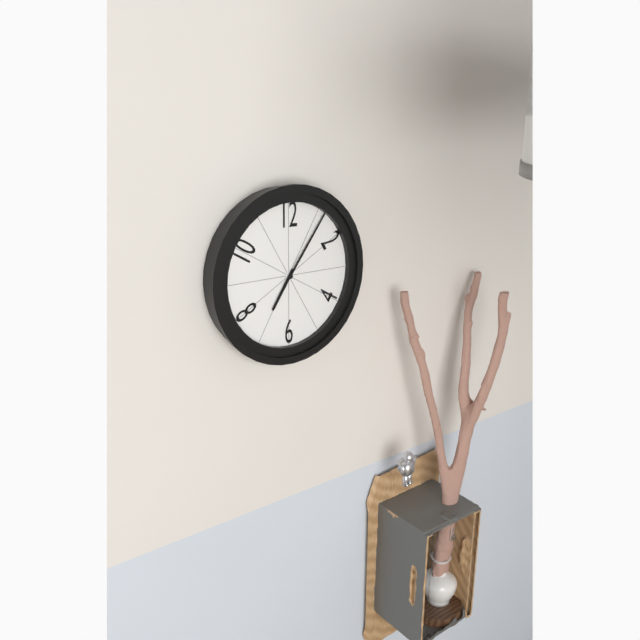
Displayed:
7,06
